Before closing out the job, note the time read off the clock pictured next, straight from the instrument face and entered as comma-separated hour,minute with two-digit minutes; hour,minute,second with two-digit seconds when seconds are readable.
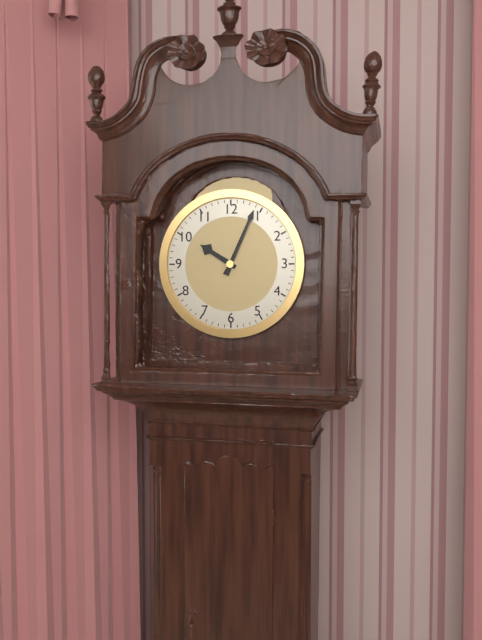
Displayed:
10,04
